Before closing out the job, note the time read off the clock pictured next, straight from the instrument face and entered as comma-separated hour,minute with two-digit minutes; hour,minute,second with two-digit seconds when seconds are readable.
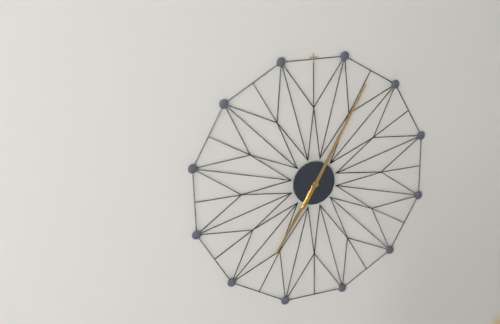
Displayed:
7,05
